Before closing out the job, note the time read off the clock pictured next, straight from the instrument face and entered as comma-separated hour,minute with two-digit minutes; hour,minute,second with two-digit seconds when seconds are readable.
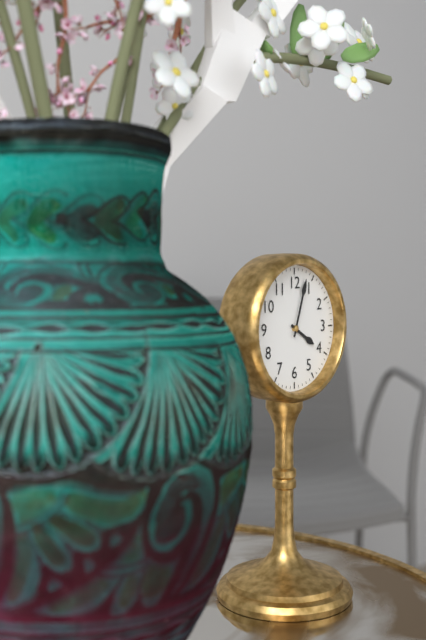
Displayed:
4,03
